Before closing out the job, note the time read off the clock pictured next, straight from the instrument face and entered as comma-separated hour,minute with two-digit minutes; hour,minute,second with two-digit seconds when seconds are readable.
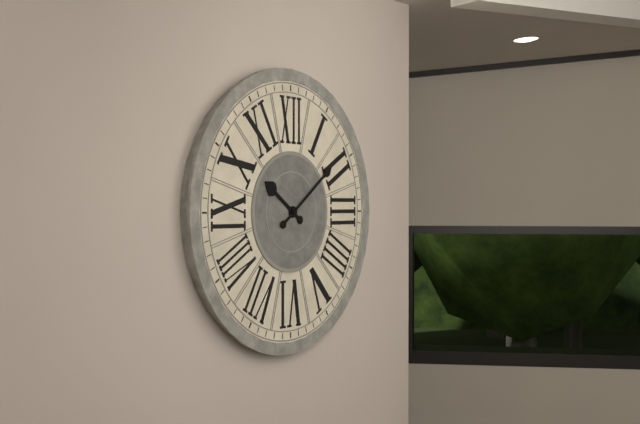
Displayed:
10,09
